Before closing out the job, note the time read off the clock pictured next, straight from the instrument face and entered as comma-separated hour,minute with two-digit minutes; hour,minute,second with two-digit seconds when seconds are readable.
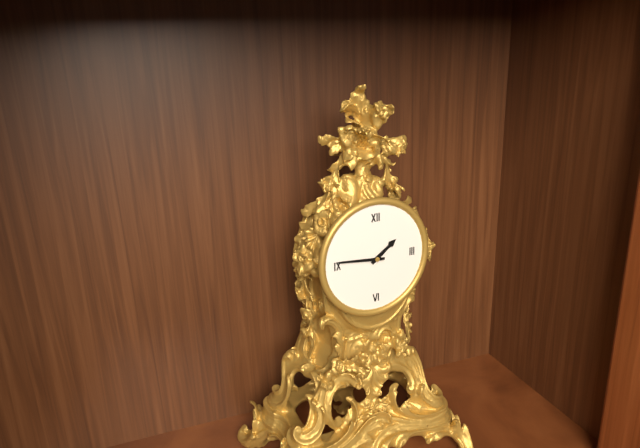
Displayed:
1,46
